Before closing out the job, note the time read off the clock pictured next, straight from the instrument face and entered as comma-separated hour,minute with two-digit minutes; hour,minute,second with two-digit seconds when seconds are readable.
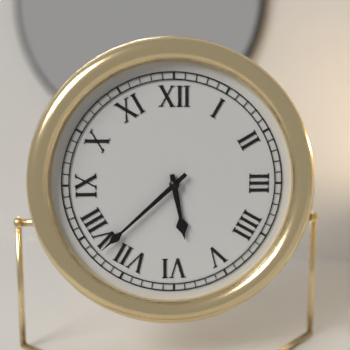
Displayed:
5,38
